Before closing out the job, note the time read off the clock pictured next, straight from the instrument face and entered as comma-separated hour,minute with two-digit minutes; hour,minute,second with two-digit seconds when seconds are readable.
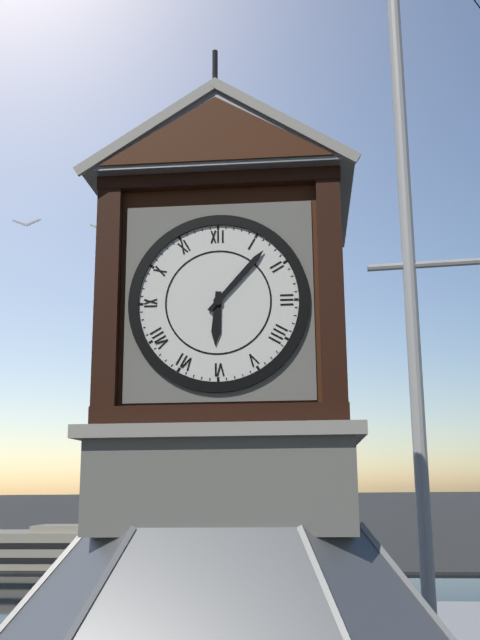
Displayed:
6,07
